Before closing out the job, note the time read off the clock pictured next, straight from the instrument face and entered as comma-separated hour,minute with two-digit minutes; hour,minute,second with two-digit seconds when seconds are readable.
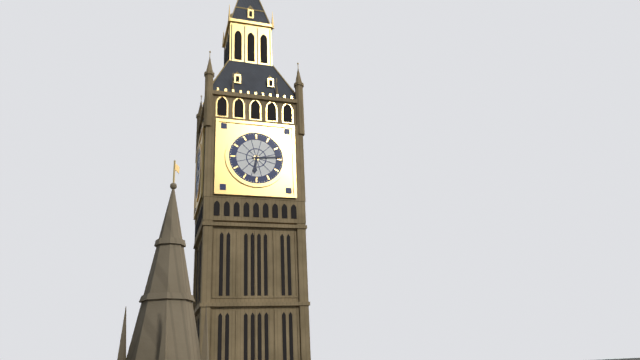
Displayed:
6,14
